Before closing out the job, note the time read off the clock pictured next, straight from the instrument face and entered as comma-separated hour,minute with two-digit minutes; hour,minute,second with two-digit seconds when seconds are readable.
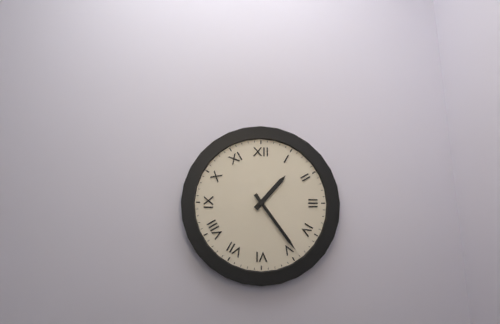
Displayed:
1,24
